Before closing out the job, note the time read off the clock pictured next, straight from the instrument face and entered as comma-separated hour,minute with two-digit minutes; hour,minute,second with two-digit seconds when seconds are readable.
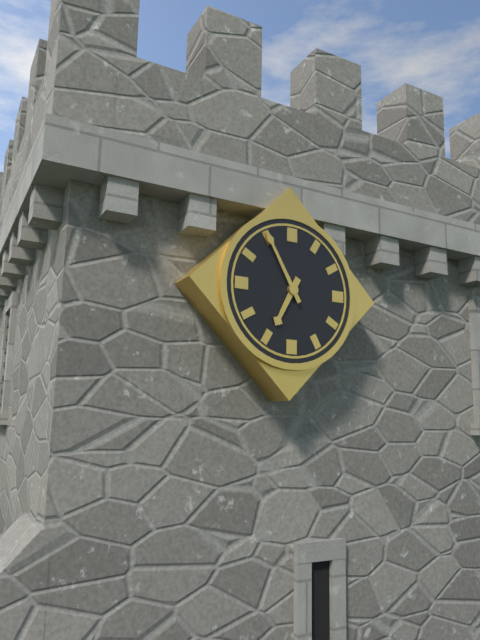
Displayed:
6,55
